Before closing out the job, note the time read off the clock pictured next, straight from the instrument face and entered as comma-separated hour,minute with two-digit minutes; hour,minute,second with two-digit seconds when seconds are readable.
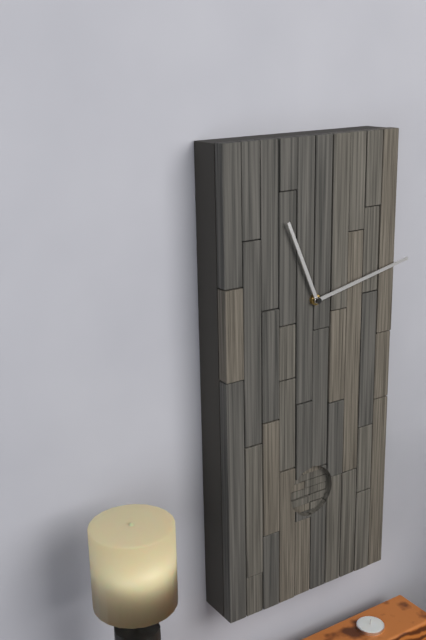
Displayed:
11,13
